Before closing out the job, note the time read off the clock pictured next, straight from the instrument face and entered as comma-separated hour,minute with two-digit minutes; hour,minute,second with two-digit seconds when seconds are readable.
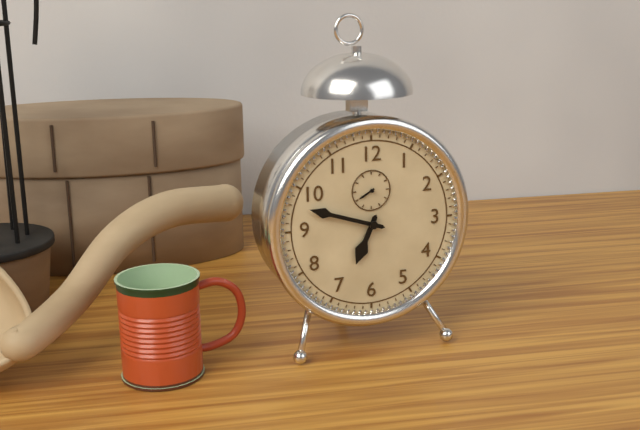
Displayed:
6,48
